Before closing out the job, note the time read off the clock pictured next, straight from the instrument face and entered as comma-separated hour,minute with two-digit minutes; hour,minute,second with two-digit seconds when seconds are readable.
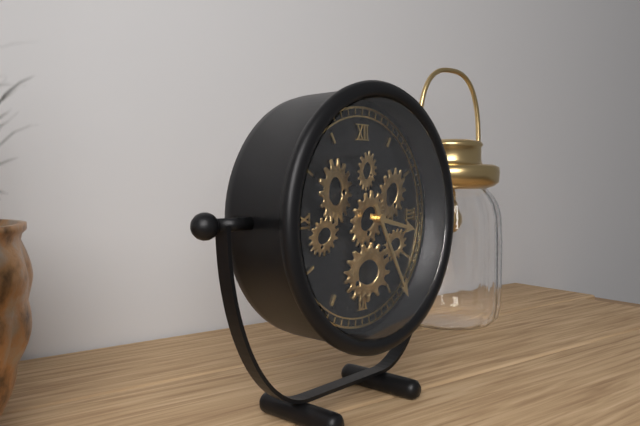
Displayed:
3,25
